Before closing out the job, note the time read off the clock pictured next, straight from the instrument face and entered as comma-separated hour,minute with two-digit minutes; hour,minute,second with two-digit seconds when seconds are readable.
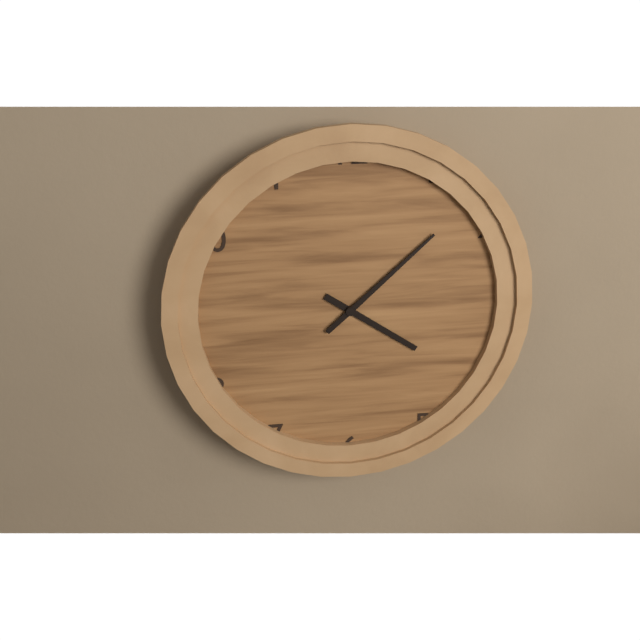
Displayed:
4,08
